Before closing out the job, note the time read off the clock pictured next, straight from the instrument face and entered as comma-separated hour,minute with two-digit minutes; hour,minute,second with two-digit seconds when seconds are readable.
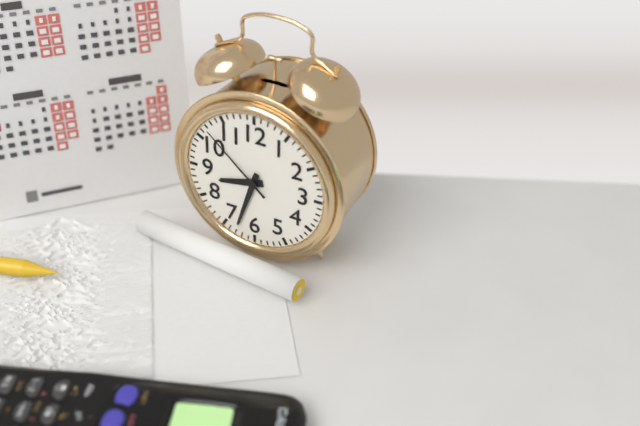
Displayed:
8,33,52
